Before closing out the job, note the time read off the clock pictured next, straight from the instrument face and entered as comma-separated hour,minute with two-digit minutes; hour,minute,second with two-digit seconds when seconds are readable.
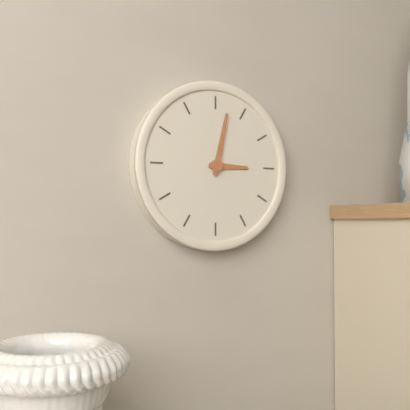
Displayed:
3,02
